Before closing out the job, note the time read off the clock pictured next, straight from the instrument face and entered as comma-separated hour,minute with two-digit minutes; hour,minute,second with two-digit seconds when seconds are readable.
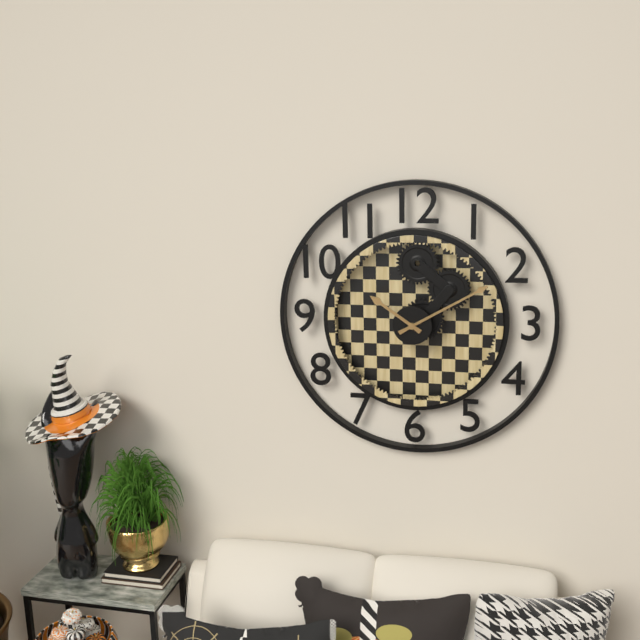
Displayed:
10,10
